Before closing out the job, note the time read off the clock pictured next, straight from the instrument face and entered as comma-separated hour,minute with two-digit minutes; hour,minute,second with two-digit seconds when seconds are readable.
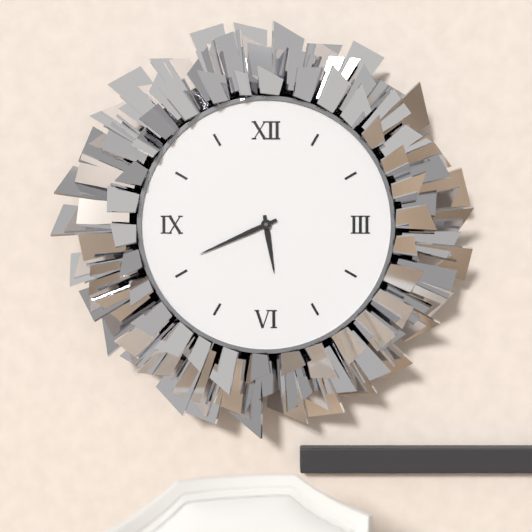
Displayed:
5,41
